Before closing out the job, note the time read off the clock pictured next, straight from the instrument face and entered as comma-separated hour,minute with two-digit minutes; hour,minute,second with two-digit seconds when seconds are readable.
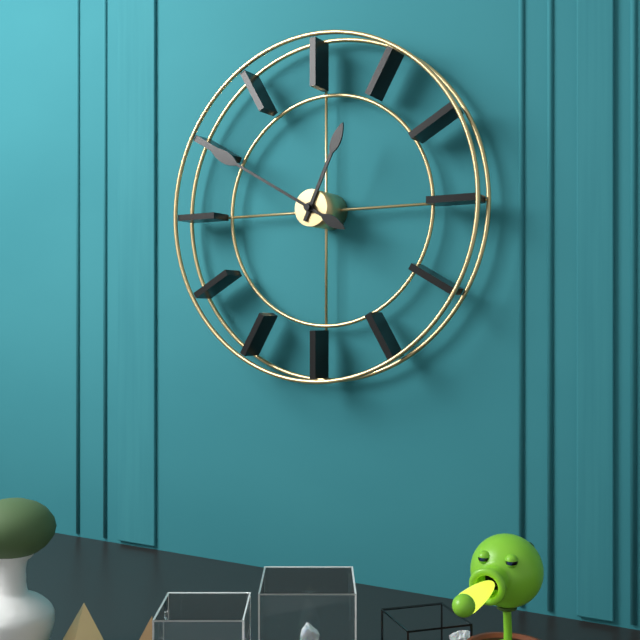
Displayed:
12,50
